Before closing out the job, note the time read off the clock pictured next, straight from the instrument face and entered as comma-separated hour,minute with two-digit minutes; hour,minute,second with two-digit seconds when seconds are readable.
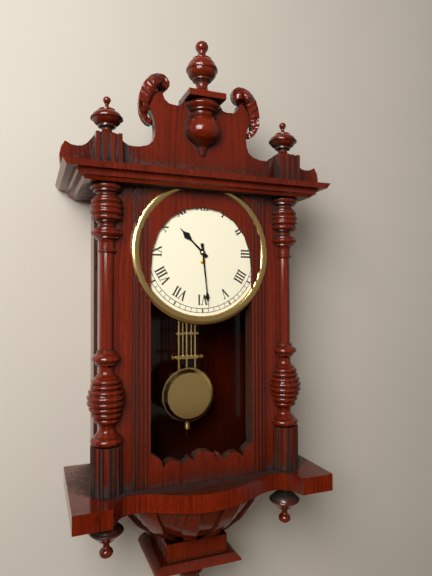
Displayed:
10,29
